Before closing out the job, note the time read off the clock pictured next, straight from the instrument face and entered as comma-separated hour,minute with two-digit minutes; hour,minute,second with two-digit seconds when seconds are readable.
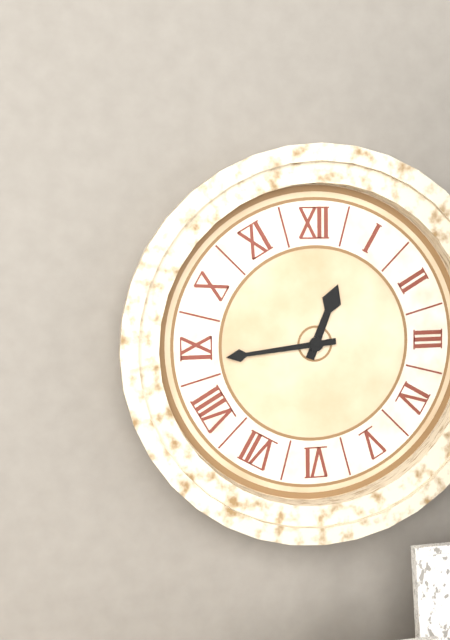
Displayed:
12,44
